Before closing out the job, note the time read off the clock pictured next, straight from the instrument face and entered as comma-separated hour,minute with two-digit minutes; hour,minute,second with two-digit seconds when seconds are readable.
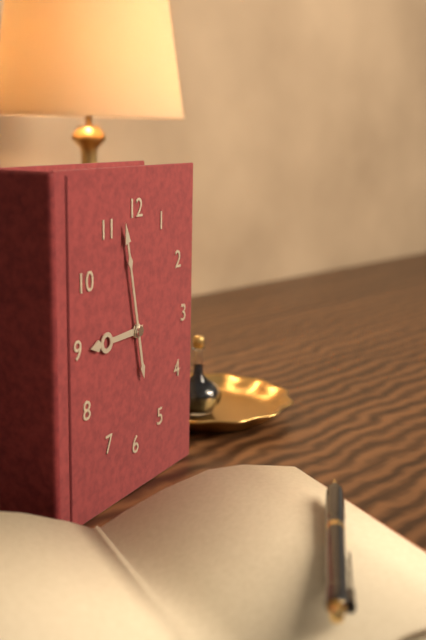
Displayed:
8,58
